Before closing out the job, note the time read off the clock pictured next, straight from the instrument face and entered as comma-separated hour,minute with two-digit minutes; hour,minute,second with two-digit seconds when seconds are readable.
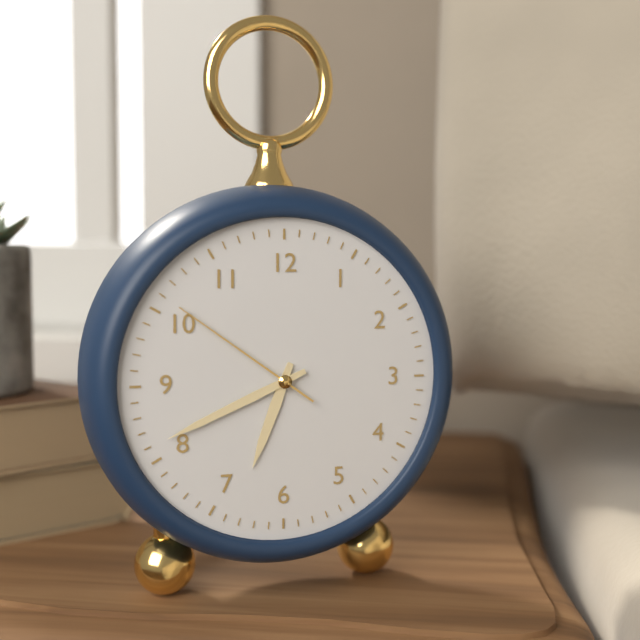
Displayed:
6,41,51
